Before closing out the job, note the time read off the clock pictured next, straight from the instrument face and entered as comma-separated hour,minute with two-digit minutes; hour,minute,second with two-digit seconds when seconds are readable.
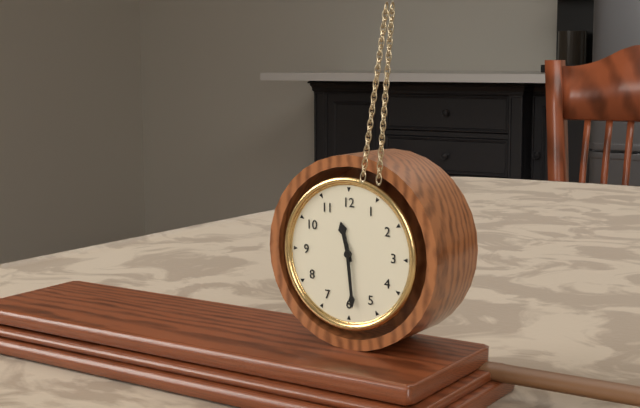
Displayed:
11,29
